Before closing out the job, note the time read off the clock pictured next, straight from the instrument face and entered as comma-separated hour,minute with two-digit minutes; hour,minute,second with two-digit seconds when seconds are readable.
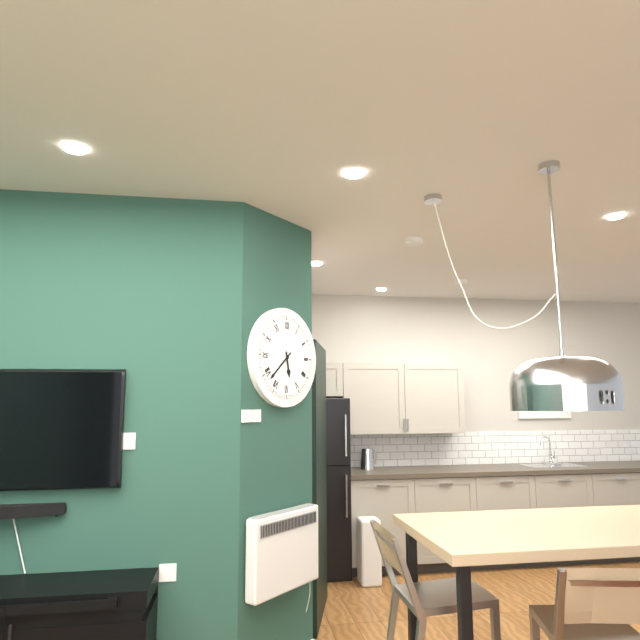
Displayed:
5,38
